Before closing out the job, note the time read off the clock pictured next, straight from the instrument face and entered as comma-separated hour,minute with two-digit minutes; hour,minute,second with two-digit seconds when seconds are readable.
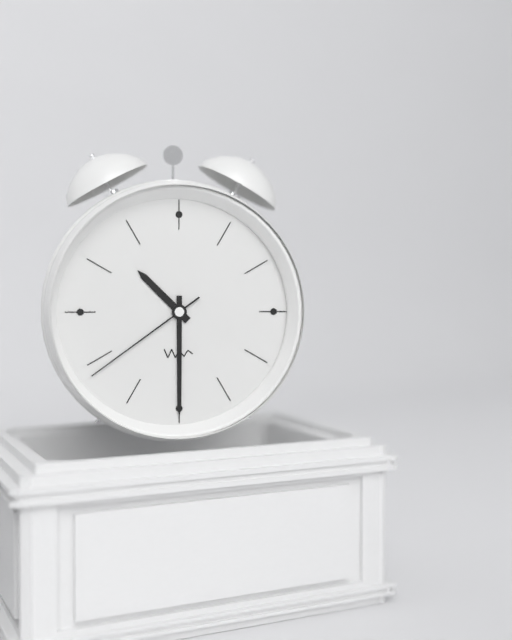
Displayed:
10,30,39
